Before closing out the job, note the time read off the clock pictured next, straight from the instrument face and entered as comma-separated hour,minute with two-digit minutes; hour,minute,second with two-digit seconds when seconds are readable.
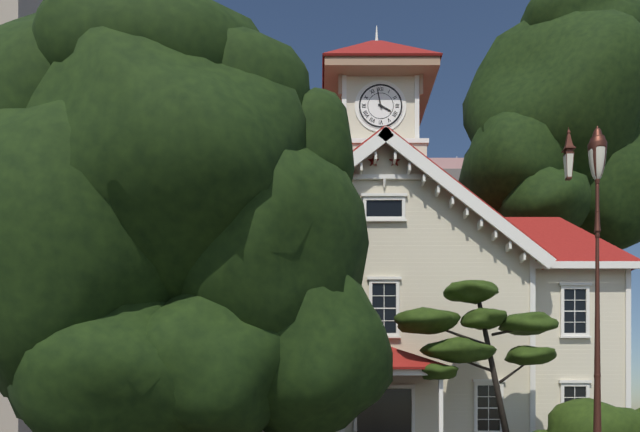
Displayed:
3,58
